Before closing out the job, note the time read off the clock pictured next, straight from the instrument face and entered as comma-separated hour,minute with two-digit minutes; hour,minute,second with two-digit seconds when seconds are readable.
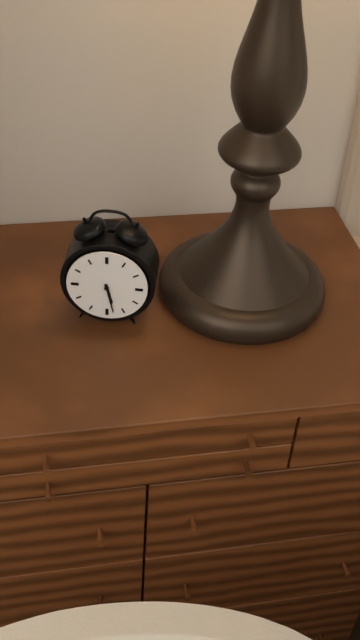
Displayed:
5,28
